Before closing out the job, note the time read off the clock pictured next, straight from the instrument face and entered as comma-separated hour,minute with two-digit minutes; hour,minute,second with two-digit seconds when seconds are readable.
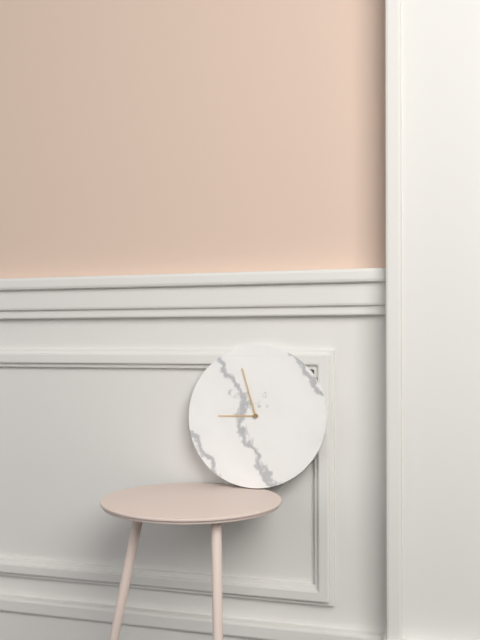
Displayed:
8,57
